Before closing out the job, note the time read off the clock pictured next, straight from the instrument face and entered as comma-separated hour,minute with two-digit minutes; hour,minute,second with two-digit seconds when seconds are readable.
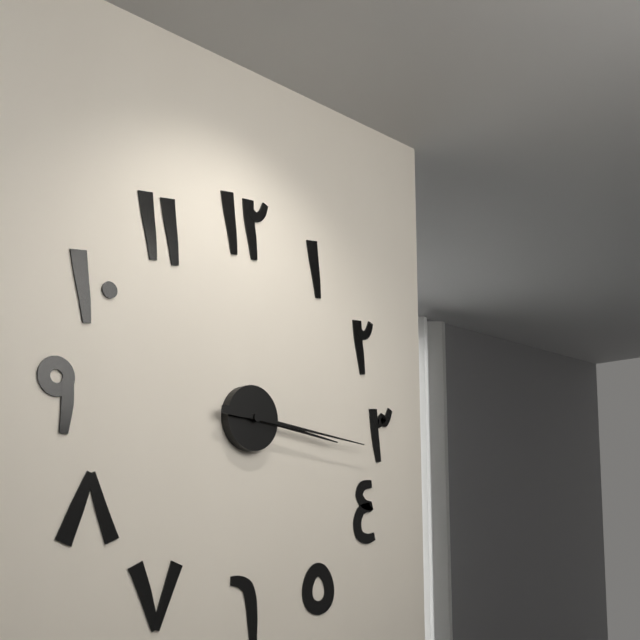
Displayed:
3,16
